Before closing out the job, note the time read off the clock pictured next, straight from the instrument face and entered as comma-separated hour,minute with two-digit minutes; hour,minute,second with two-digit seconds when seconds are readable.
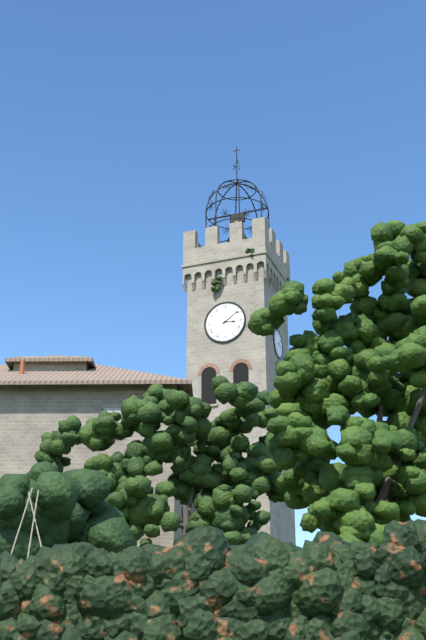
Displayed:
3,09
